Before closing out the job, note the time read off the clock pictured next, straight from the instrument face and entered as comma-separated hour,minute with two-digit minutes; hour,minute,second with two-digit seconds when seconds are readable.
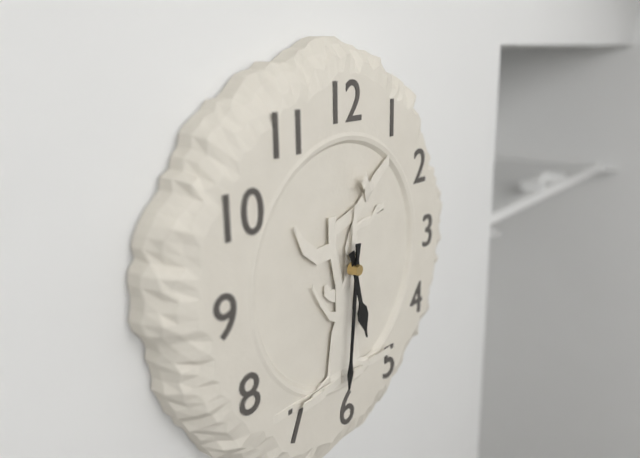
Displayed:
5,31
